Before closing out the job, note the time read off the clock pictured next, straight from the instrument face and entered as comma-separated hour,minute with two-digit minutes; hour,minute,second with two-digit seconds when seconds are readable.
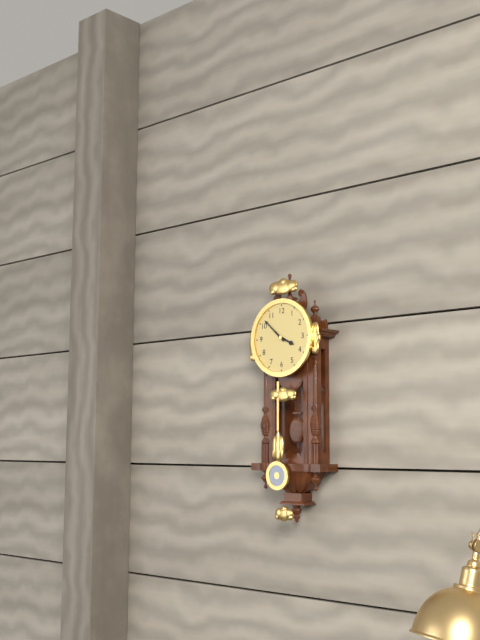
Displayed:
3,52
